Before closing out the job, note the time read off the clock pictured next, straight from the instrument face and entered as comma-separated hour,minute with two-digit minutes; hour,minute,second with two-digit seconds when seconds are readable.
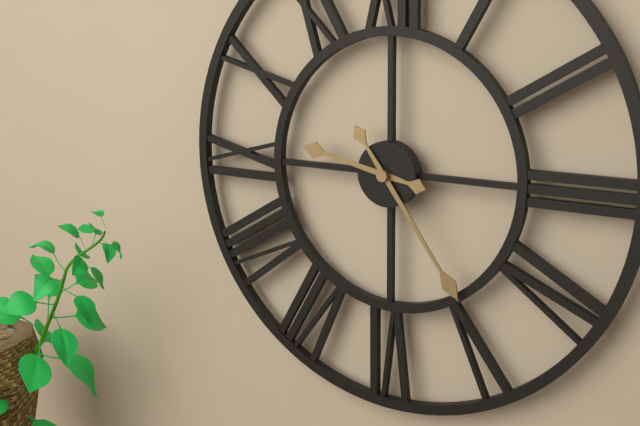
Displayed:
9,24
